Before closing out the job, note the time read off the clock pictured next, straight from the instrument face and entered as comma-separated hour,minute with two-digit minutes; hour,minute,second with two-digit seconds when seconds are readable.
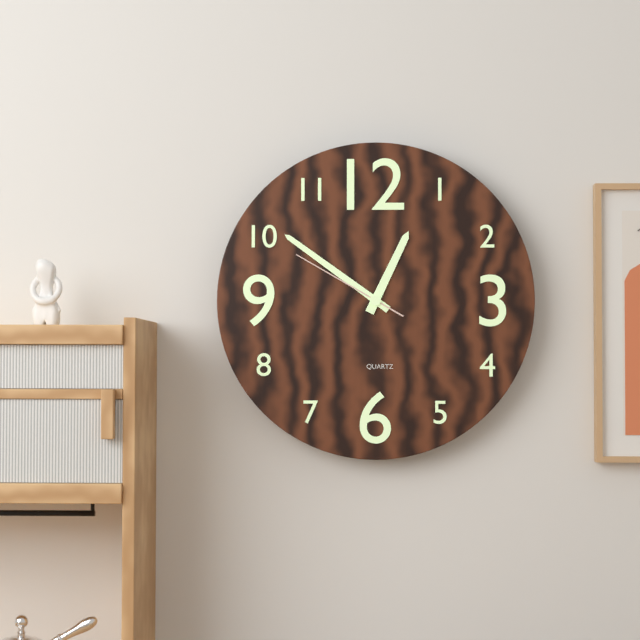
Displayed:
12,51,50
